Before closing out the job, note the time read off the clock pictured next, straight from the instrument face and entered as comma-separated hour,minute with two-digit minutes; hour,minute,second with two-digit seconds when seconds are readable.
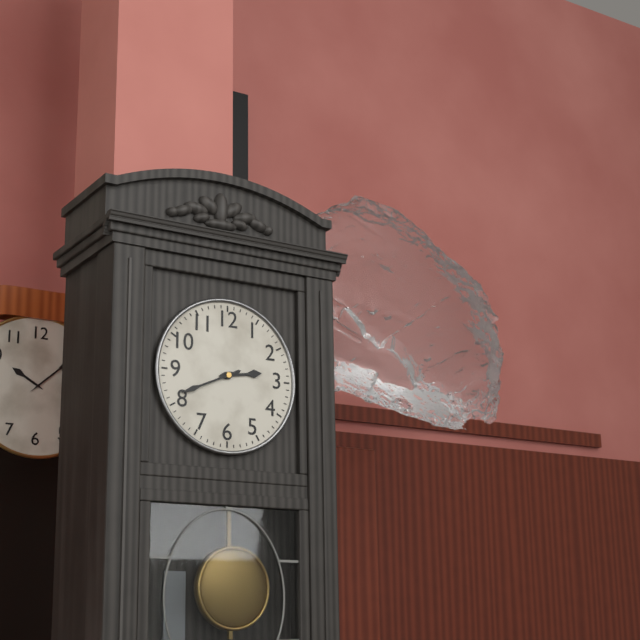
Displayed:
2,41
